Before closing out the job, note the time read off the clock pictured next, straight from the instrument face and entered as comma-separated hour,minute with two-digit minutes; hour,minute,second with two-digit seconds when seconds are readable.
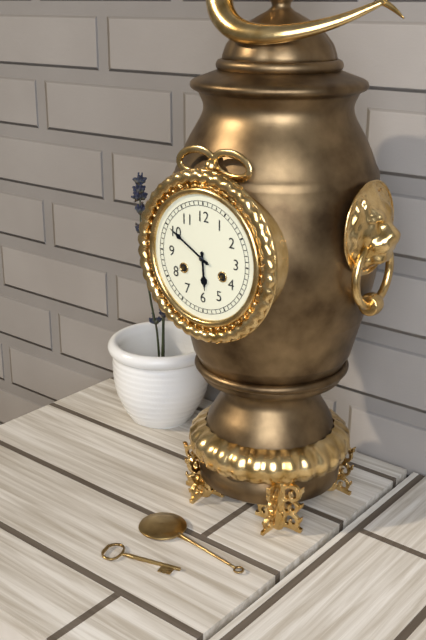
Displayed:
5,50
